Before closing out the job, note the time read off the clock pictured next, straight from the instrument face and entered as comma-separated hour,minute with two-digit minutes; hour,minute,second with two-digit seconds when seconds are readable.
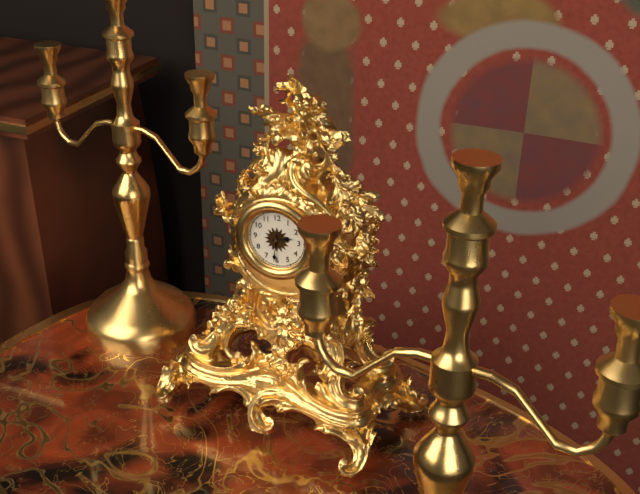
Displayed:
2,31
